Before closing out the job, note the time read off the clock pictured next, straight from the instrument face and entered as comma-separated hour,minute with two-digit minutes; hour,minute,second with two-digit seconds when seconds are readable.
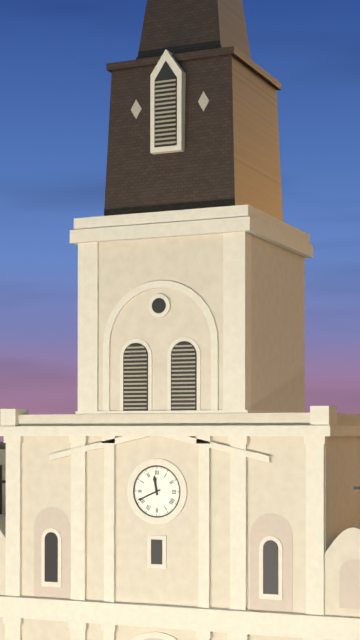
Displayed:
11,41
